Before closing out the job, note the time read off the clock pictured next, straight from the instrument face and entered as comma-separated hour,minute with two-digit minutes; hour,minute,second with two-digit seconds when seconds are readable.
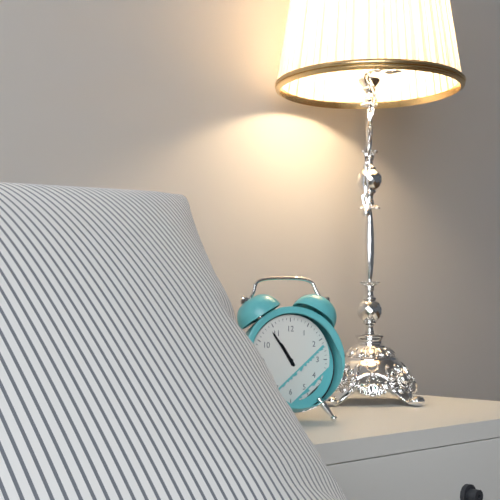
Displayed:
10,54
